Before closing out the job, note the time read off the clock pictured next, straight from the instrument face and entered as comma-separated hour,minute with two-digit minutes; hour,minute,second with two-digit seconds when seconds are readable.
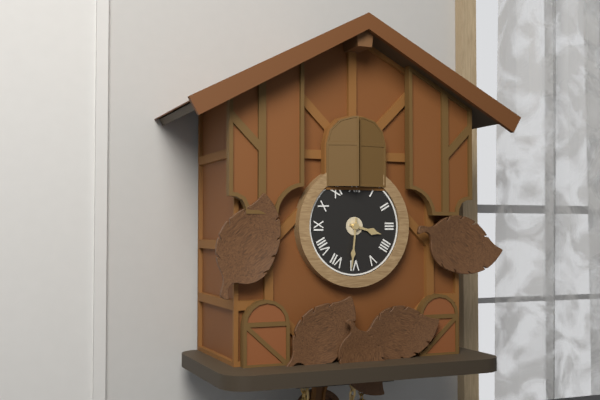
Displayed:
3,31
